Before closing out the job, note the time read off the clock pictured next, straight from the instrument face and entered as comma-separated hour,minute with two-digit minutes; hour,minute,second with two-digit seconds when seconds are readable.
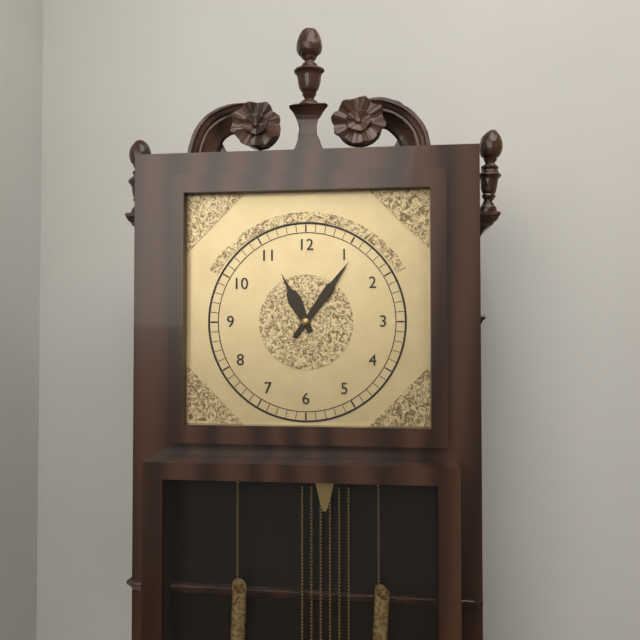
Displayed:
11,06
